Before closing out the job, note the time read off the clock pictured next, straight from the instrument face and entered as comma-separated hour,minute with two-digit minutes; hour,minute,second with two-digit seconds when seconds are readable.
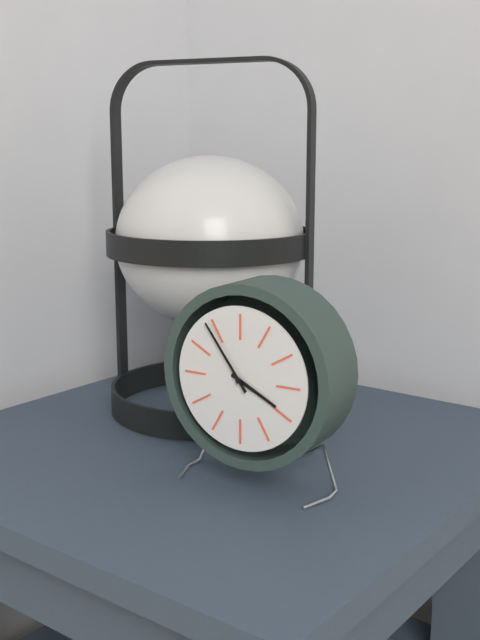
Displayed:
3,54
